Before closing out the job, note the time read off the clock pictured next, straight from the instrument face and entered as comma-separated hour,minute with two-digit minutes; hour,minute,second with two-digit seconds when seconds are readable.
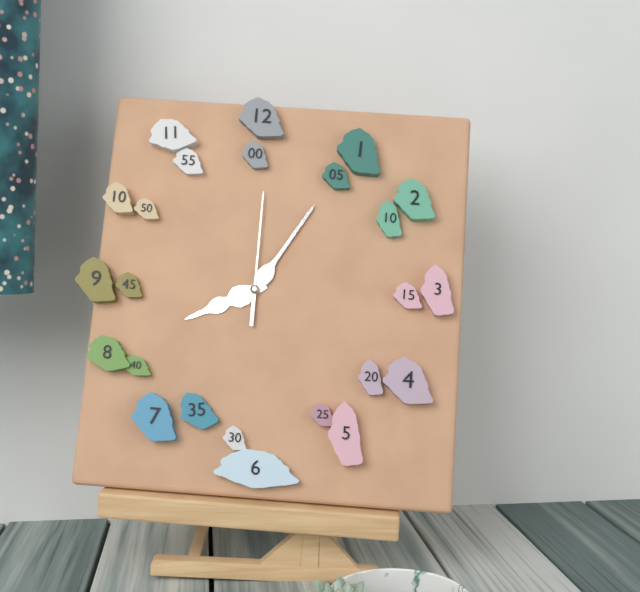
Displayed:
8,05,00
